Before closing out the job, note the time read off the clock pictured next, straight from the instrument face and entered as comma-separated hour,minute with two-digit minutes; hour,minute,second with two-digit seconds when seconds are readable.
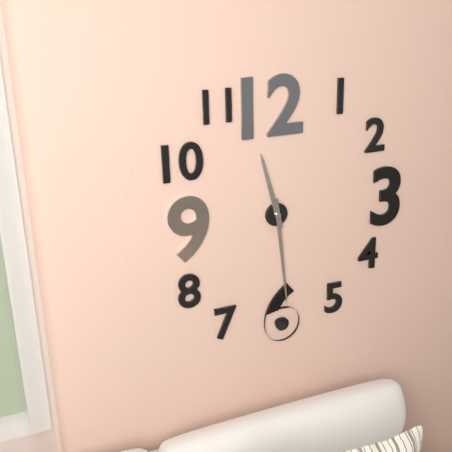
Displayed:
11,29
